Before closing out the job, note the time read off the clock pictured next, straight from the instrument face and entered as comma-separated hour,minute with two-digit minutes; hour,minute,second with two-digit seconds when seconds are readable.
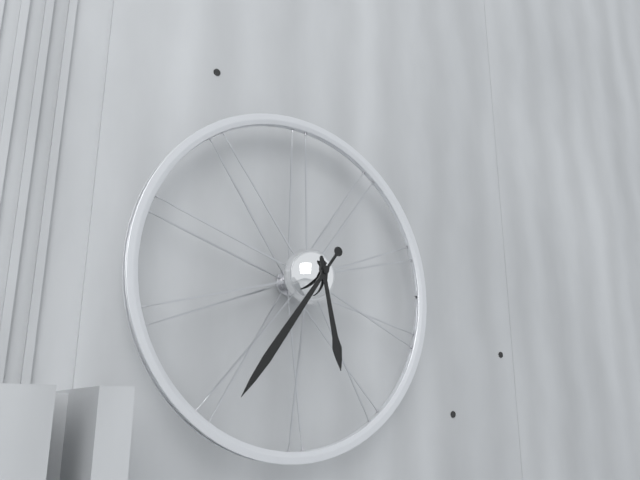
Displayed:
5,36
